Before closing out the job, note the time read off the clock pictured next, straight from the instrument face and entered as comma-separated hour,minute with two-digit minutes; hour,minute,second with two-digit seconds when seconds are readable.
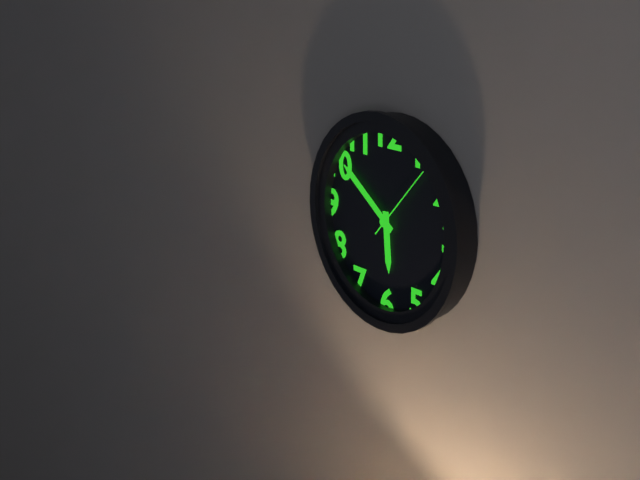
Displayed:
5,51,07
